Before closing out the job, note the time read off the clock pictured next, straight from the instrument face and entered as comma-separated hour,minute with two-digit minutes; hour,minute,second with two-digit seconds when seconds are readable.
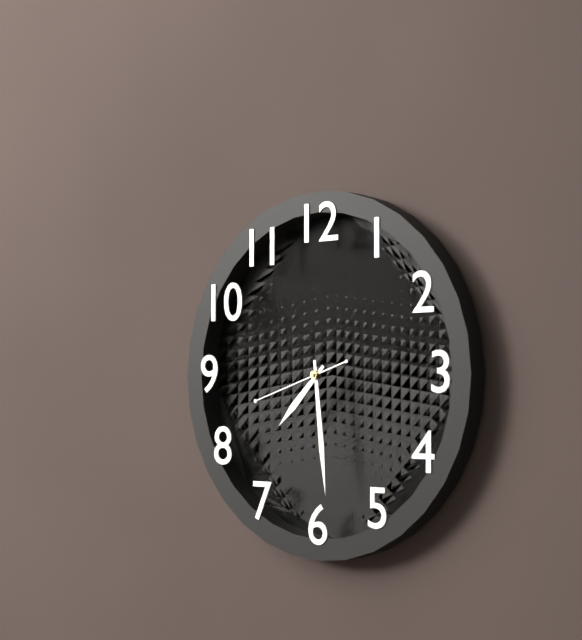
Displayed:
7,29,42
